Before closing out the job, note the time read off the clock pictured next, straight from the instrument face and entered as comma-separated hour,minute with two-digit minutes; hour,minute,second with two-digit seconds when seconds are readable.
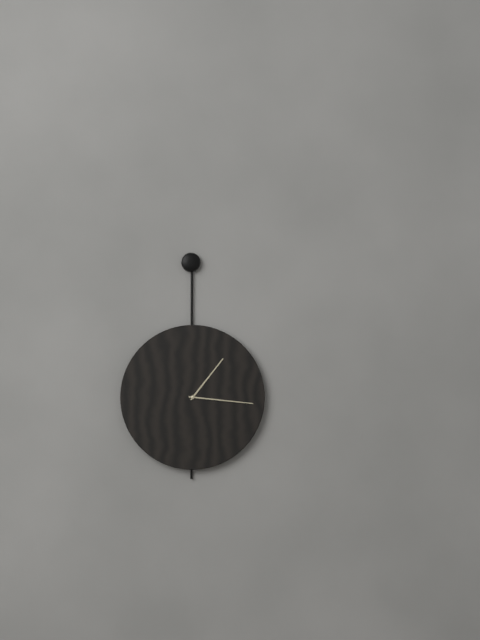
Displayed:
1,16
